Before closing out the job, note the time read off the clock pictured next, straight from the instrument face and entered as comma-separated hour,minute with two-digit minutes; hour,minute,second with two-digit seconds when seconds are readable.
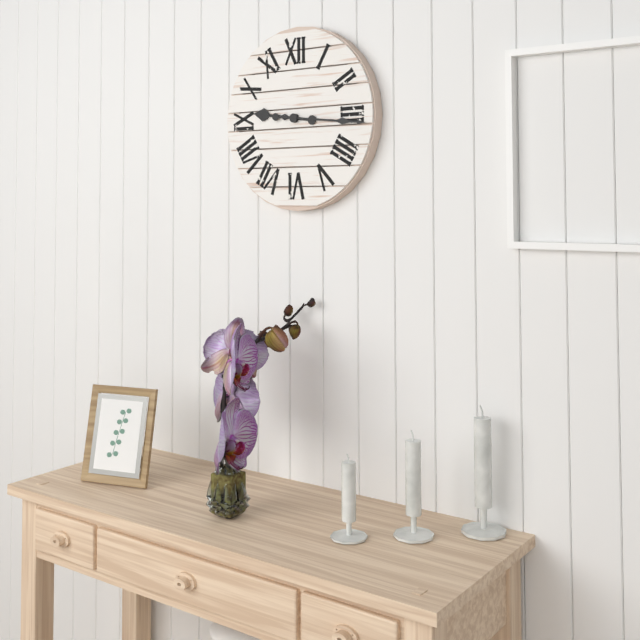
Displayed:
9,16
